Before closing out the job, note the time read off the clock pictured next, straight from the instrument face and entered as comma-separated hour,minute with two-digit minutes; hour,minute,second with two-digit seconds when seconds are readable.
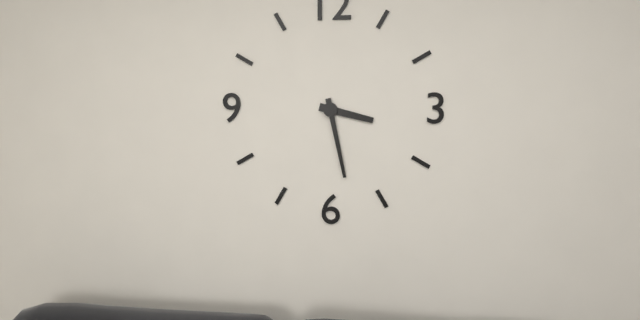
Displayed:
3,28
